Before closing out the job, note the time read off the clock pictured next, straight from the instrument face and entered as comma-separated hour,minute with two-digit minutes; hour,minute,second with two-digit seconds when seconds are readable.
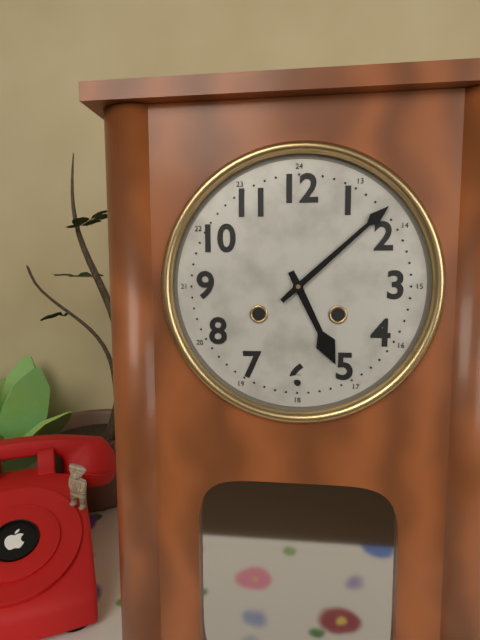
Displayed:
5,08
